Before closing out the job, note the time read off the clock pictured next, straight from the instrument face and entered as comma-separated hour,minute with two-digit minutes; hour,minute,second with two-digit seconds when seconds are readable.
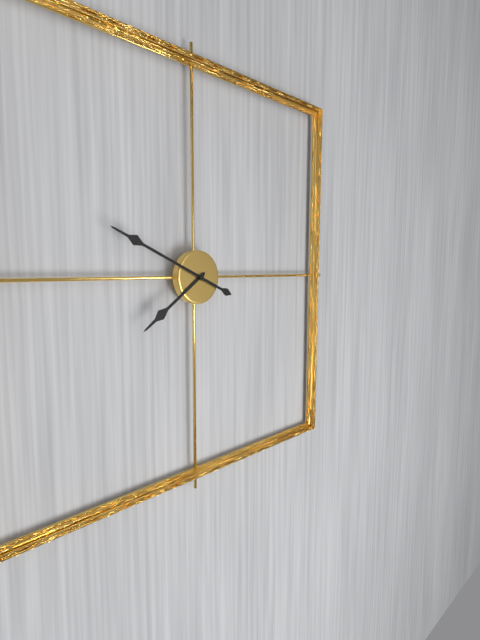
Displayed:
7,49
